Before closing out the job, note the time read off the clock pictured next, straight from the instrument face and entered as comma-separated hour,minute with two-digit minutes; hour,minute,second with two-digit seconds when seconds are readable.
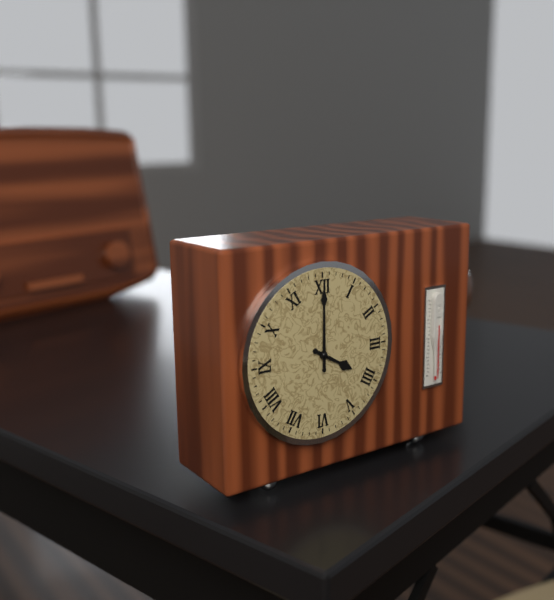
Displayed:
4,00
